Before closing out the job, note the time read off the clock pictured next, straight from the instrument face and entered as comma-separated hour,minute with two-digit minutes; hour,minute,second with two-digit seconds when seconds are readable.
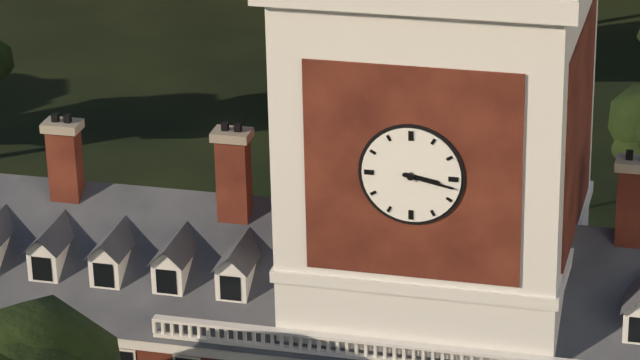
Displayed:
3,17
